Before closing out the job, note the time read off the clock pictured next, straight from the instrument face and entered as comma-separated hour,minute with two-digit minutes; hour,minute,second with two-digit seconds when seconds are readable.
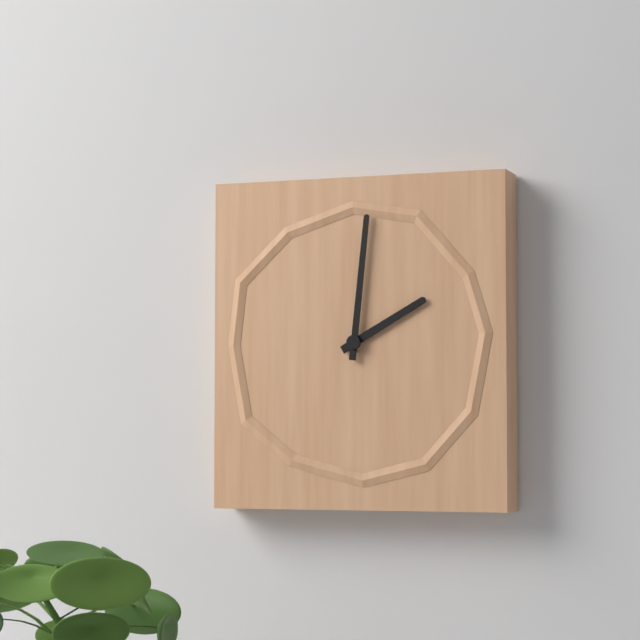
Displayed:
2,01
